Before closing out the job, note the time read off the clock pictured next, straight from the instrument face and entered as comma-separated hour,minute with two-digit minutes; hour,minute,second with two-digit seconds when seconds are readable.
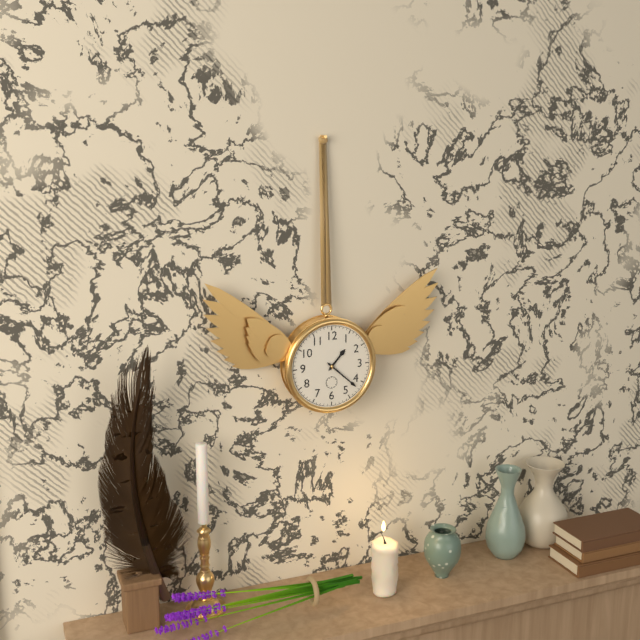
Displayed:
1,22
